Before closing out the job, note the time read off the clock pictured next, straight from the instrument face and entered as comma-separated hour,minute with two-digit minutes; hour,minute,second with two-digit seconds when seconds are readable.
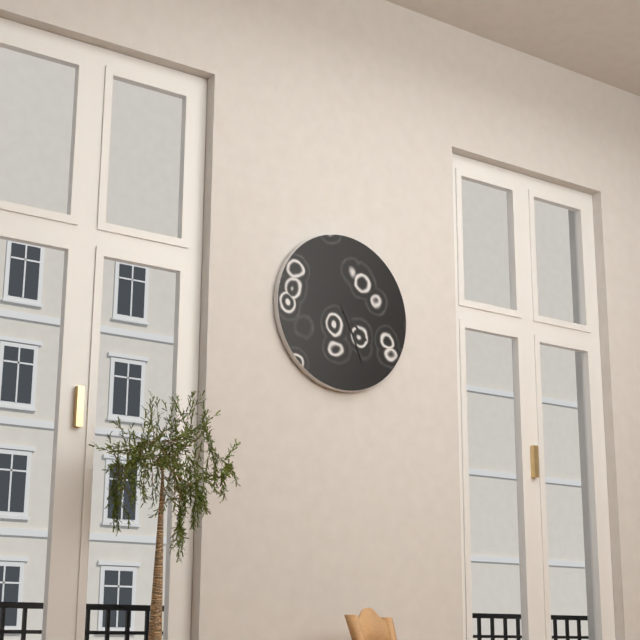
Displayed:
4,26
